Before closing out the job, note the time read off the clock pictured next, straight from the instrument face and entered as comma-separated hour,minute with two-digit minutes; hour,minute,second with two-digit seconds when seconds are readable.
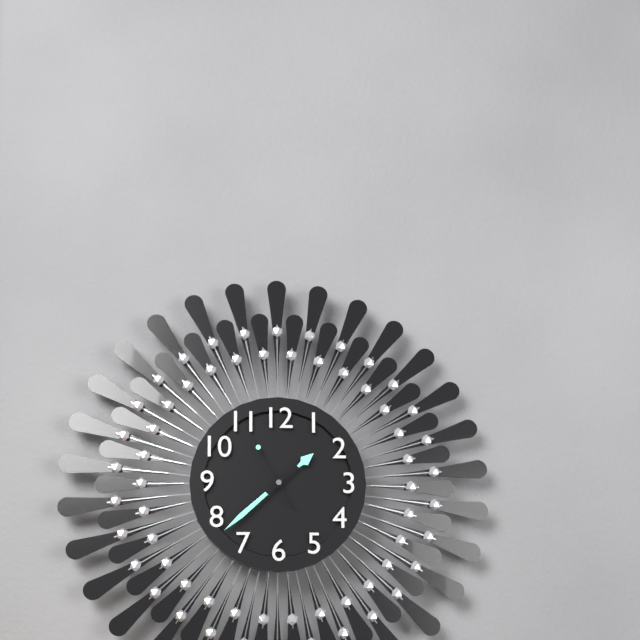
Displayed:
1,38,55
